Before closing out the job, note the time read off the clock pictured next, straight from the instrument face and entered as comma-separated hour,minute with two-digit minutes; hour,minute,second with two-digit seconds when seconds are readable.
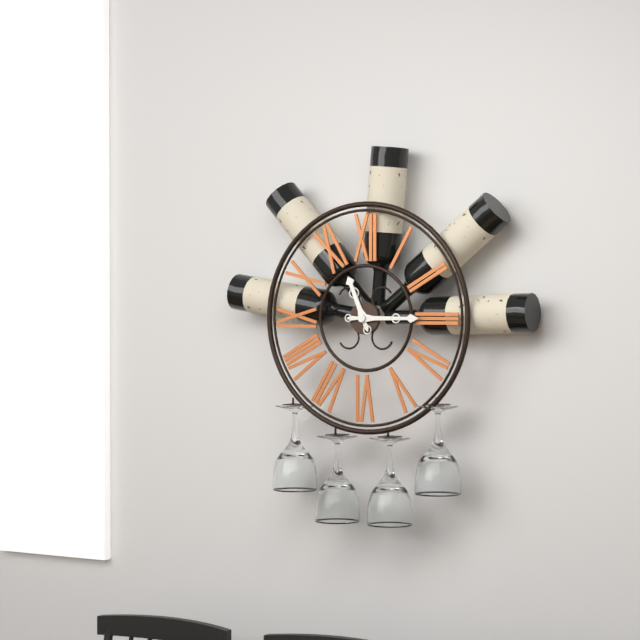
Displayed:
11,15
